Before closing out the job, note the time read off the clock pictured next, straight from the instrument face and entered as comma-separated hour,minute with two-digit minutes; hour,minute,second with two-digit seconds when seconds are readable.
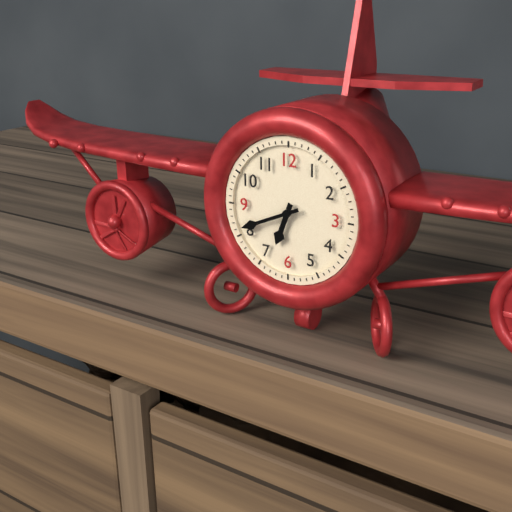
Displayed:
6,41
